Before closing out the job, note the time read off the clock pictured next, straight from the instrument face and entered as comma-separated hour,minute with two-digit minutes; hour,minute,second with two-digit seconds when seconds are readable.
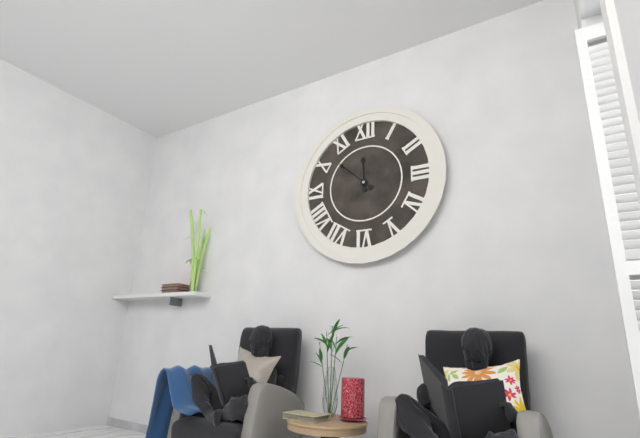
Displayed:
11,52
